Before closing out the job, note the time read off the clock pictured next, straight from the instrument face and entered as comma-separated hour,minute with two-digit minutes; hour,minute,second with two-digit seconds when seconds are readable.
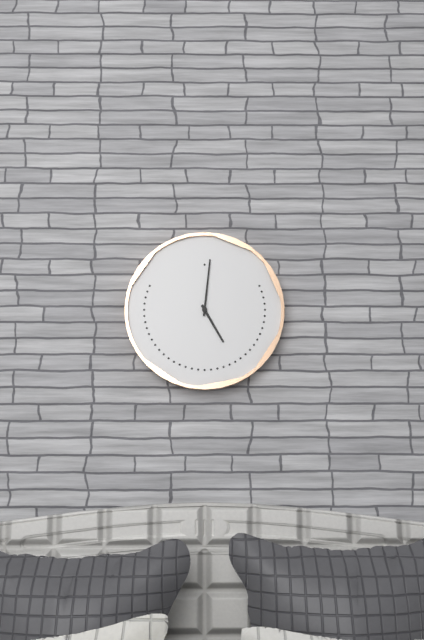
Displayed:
5,01
